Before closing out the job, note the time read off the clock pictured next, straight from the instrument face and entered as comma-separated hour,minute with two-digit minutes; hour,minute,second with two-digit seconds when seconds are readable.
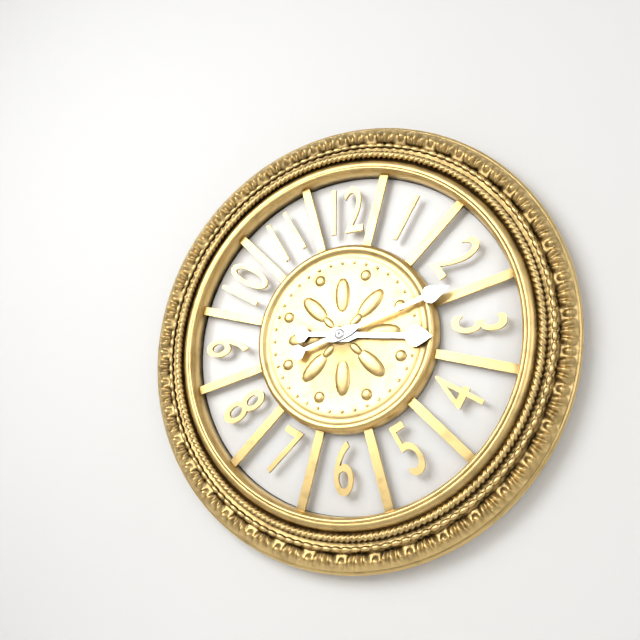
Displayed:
3,12
